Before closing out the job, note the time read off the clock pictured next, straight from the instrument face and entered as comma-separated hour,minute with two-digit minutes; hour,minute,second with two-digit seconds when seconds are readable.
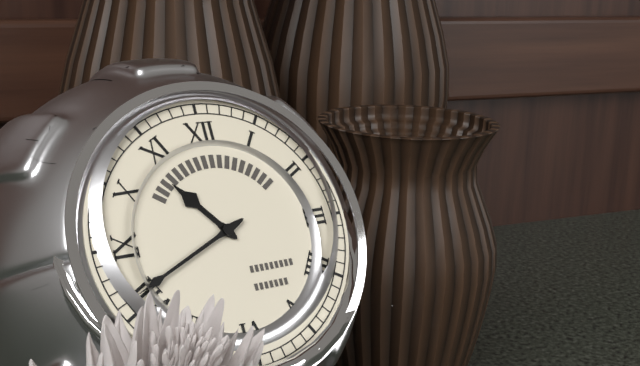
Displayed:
10,41
